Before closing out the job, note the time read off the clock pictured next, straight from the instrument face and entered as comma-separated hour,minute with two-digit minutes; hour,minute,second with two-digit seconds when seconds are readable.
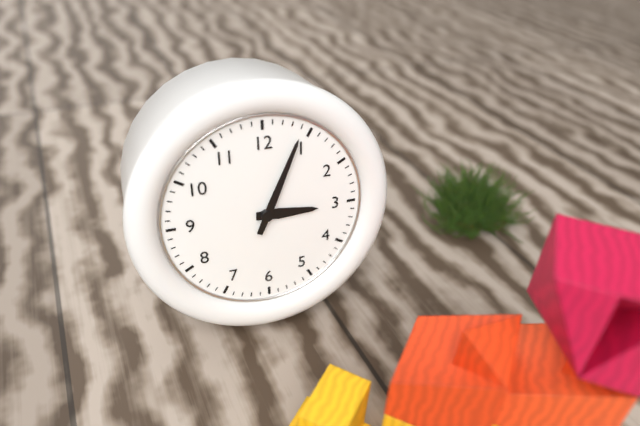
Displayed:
3,04
